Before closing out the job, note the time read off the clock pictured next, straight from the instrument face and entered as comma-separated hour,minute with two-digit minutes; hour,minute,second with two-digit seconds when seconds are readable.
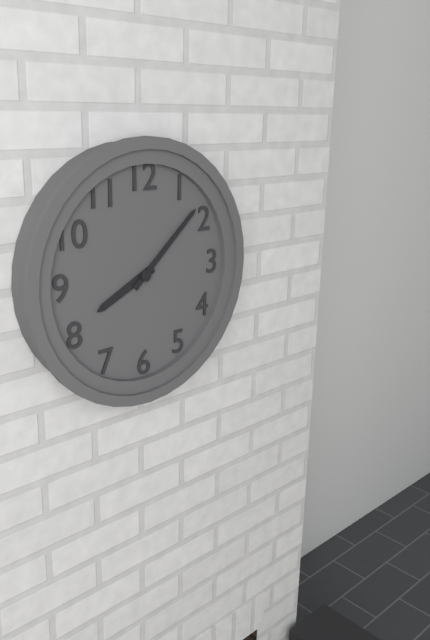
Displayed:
8,08
